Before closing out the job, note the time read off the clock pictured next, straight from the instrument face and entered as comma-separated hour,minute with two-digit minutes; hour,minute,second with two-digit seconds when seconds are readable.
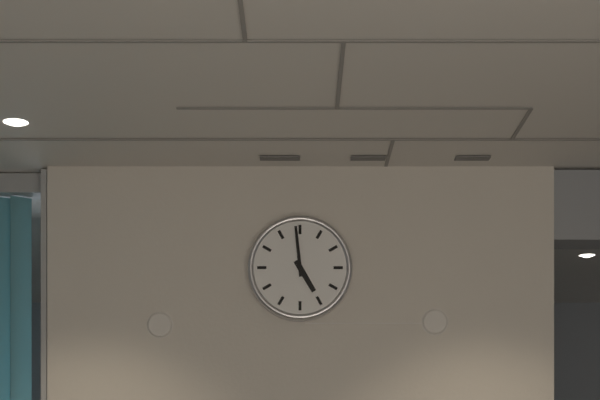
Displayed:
4,59
